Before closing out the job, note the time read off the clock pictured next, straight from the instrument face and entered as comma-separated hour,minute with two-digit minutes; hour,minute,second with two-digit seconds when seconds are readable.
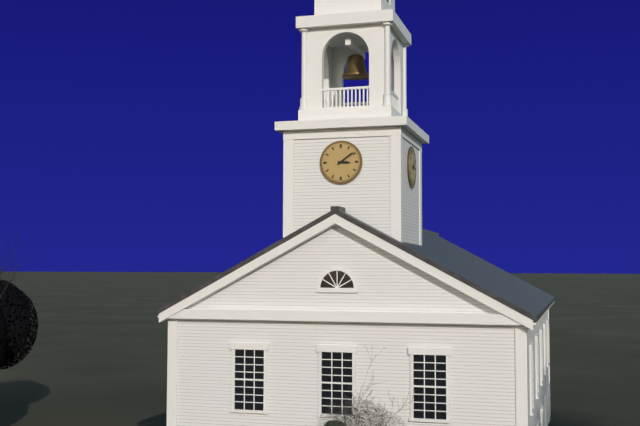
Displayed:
3,09
